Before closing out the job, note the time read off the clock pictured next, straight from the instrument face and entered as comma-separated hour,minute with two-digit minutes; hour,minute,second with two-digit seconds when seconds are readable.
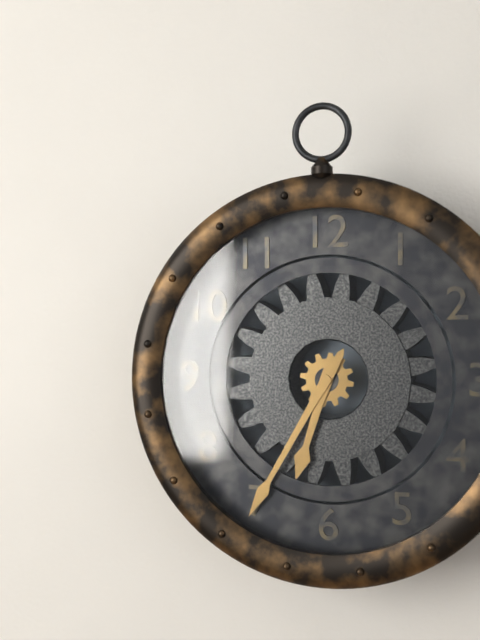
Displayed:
6,35
